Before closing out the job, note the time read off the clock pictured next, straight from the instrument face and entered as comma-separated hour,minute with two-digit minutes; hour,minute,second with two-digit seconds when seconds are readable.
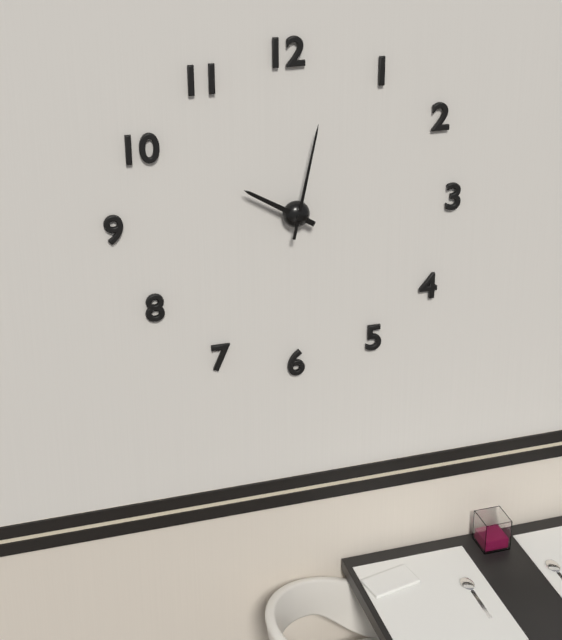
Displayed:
10,02
